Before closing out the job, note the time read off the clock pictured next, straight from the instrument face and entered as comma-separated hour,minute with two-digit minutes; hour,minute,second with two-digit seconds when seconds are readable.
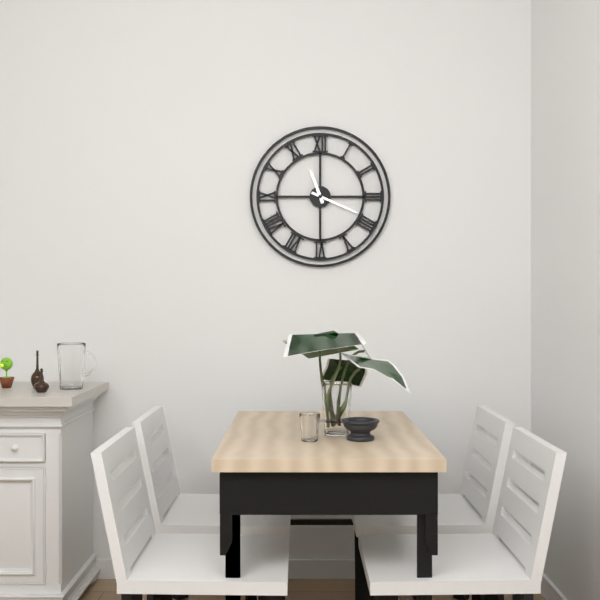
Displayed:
11,19
